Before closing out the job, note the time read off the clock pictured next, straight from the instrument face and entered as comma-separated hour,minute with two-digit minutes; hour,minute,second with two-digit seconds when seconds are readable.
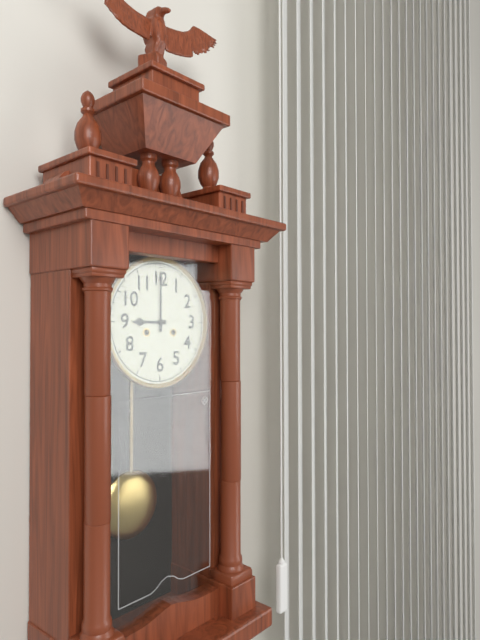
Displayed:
9,00
